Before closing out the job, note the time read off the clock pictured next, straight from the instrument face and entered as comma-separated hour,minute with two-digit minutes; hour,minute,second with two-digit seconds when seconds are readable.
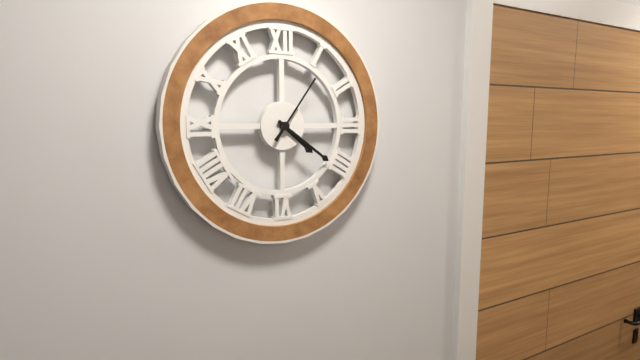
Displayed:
4,21,06
